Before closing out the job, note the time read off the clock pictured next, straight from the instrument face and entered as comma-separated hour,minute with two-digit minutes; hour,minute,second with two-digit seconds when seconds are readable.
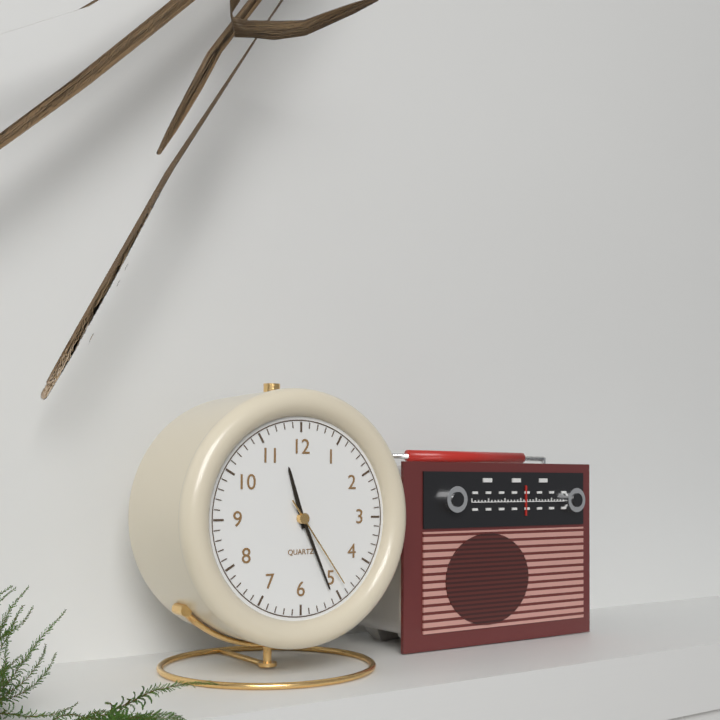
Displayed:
11,26,24
